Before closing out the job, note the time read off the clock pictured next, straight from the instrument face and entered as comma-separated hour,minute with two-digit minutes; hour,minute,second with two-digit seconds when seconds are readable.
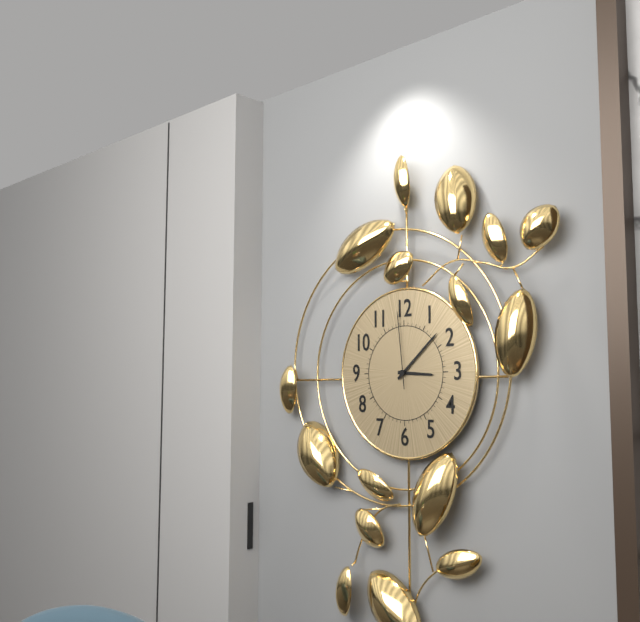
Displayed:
3,08,59
